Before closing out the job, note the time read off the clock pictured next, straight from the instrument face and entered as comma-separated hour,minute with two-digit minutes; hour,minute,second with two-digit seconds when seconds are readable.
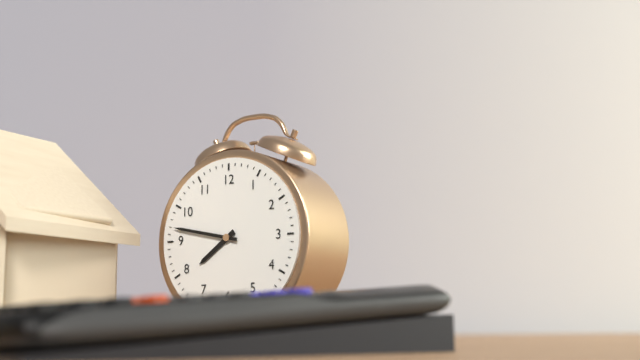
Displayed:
7,47
